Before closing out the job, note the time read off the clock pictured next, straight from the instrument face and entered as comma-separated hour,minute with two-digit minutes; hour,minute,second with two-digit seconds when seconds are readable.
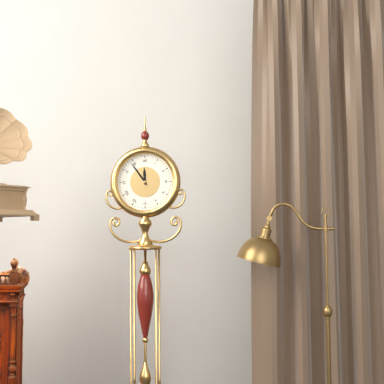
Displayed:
11,54
